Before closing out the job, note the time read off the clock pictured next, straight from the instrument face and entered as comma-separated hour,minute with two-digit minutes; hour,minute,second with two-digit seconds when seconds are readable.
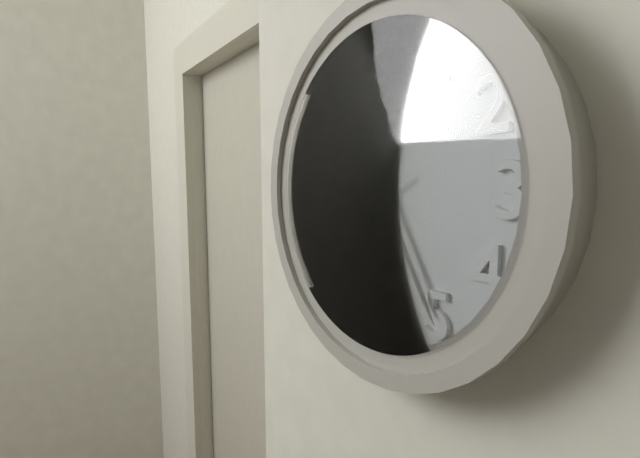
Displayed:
11,25,40
